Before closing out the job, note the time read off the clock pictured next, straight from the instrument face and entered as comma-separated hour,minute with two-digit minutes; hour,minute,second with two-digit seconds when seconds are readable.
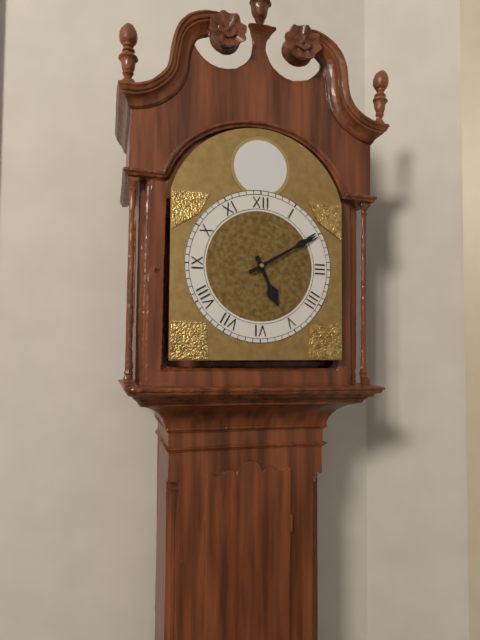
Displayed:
5,10
